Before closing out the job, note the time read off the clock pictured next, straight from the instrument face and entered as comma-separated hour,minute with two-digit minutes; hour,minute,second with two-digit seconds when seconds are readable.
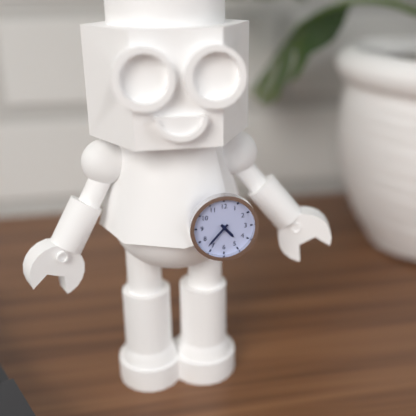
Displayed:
4,37
